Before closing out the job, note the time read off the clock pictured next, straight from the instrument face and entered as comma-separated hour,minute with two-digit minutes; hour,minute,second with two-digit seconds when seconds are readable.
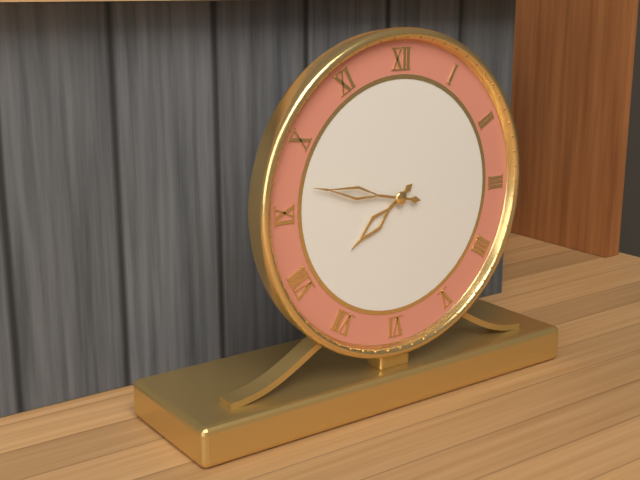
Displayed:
7,47
